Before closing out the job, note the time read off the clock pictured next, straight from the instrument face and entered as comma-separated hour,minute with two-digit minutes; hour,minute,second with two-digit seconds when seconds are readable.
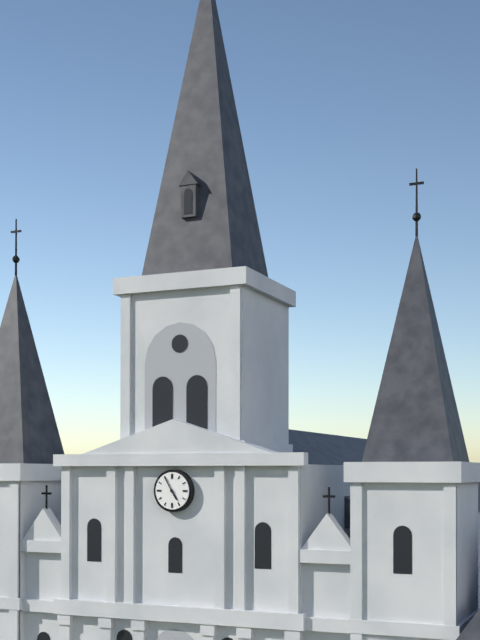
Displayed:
4,55
